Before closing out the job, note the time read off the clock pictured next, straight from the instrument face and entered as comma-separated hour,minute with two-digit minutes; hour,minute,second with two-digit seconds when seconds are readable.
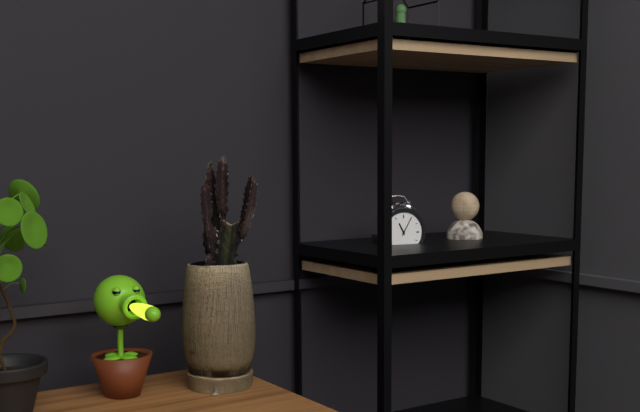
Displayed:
11,05
